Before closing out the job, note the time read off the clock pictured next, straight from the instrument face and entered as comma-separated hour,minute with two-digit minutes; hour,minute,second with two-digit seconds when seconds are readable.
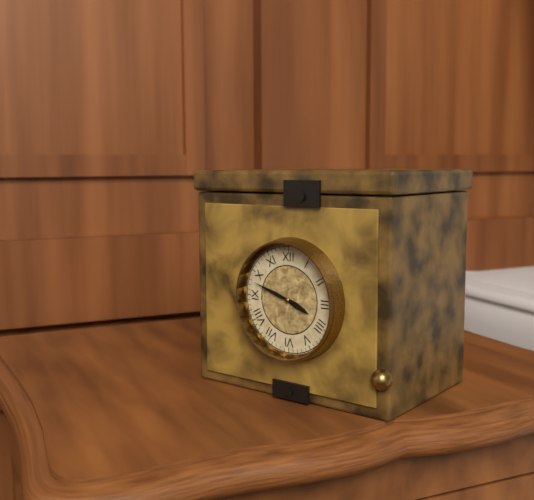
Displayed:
3,48
